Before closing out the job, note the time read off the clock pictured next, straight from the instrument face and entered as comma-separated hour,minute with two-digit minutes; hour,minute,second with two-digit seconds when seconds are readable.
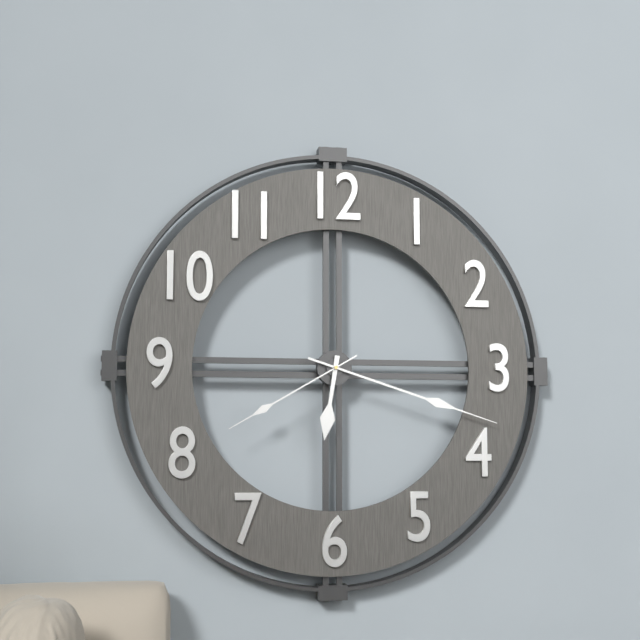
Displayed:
6,18,40
